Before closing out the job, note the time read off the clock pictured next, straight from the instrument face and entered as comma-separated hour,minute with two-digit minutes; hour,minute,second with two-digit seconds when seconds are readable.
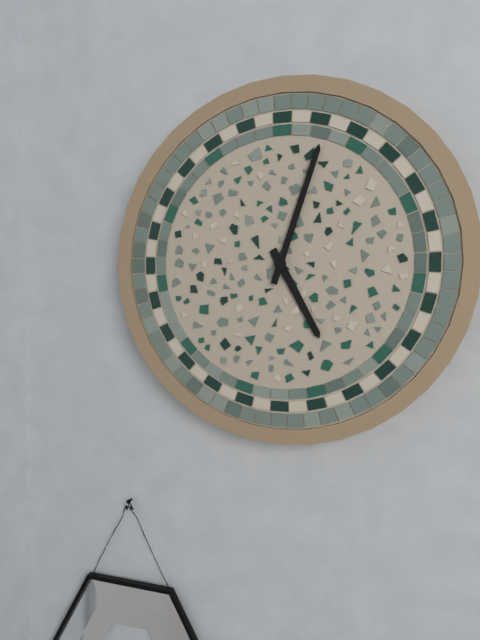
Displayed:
5,03
